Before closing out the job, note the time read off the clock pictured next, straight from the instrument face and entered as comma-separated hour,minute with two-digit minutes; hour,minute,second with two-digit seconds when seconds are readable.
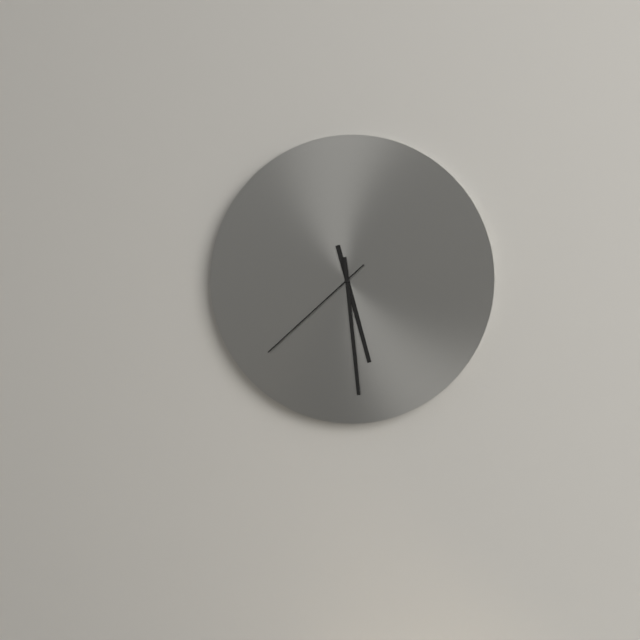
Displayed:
5,29,38
